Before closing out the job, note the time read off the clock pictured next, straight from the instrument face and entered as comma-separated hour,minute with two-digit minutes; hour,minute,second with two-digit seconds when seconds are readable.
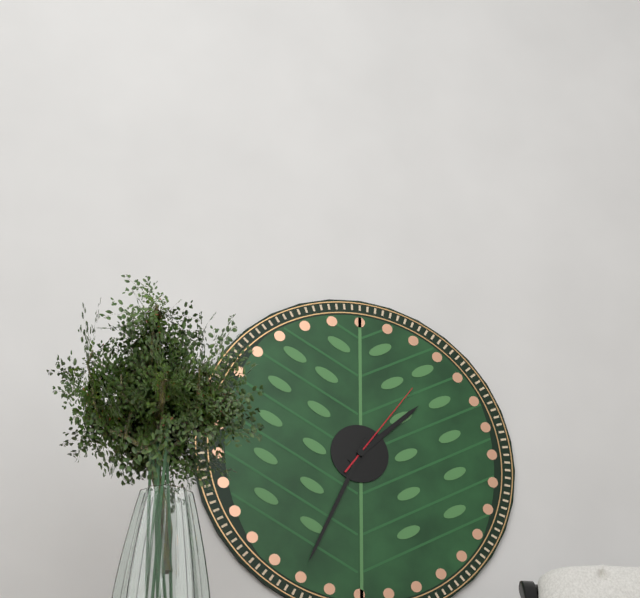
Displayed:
1,34,06
